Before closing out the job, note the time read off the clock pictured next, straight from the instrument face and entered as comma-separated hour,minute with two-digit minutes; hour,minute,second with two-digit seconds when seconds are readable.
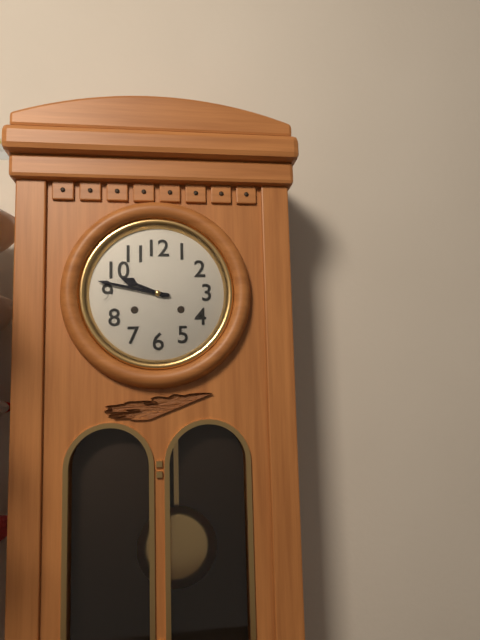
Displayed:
9,47
